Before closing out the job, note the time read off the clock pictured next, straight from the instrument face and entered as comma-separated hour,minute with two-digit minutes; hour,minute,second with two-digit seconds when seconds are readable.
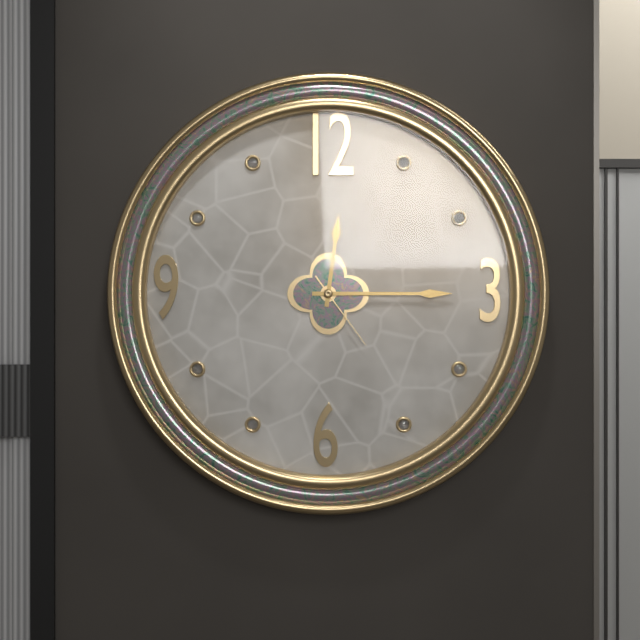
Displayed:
12,15,24
